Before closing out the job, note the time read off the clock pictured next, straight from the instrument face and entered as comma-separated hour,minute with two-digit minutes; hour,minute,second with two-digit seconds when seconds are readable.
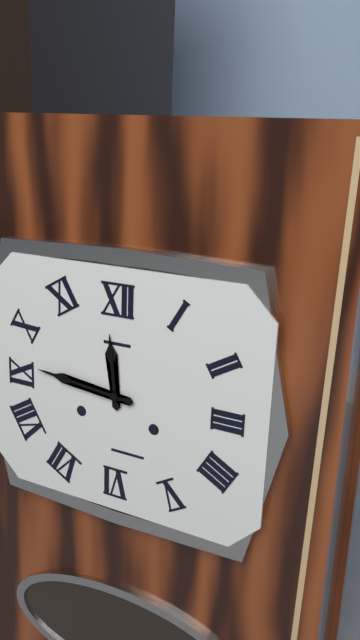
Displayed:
11,46
